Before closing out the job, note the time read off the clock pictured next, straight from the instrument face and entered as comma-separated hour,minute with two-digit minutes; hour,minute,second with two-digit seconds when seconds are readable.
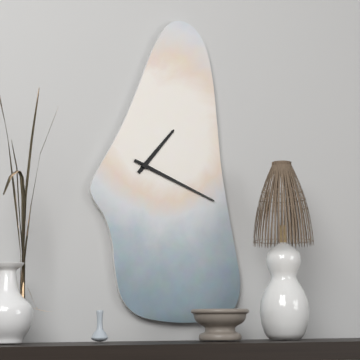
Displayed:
1,19
